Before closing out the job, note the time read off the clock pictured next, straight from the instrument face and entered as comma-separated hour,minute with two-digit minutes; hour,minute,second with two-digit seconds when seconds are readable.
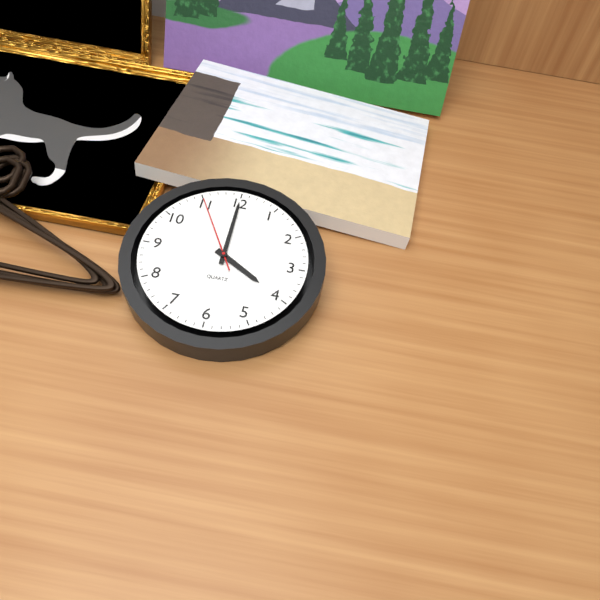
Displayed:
4,00,55
